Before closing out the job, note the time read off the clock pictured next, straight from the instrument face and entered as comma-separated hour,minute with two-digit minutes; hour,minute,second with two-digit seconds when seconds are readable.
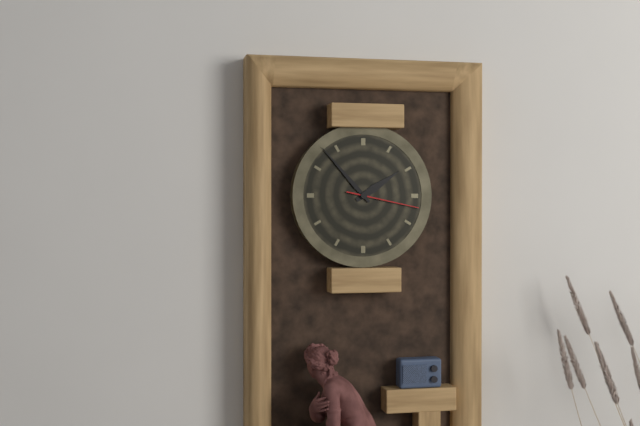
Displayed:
1,53,17
